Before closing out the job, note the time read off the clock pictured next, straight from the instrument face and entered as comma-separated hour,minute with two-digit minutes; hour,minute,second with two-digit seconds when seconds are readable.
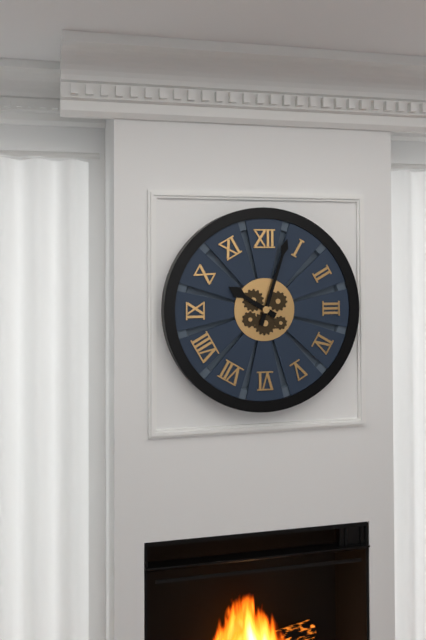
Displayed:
10,03
